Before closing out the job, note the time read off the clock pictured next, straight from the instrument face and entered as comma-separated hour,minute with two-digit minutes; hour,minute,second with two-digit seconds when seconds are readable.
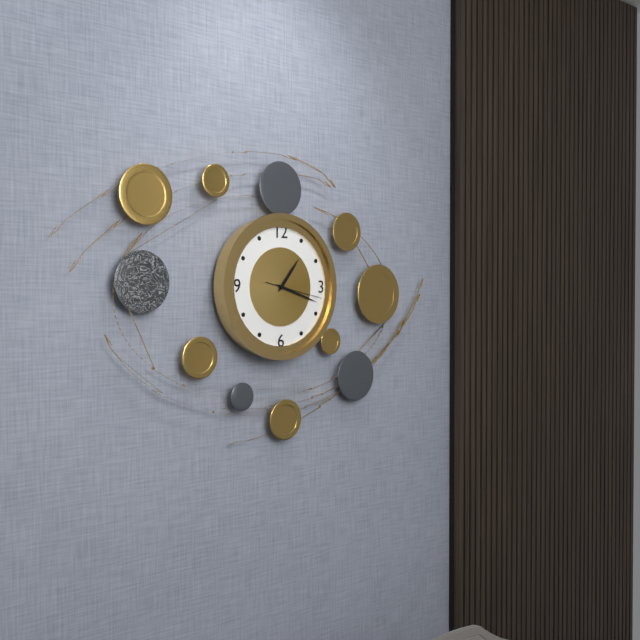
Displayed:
1,18,17
